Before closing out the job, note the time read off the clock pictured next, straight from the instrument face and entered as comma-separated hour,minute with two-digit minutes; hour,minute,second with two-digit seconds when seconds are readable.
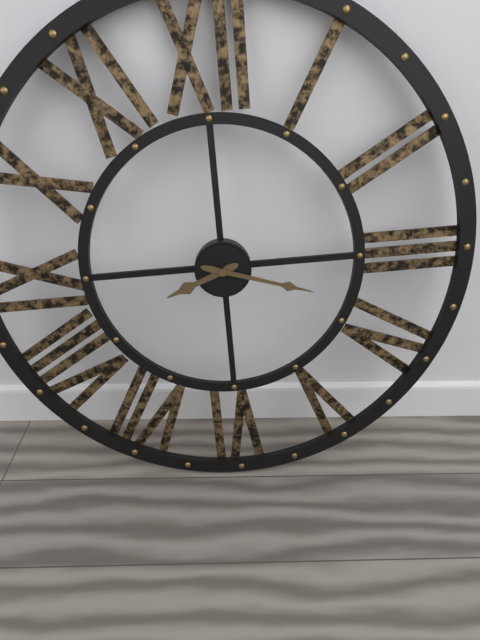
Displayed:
8,18
